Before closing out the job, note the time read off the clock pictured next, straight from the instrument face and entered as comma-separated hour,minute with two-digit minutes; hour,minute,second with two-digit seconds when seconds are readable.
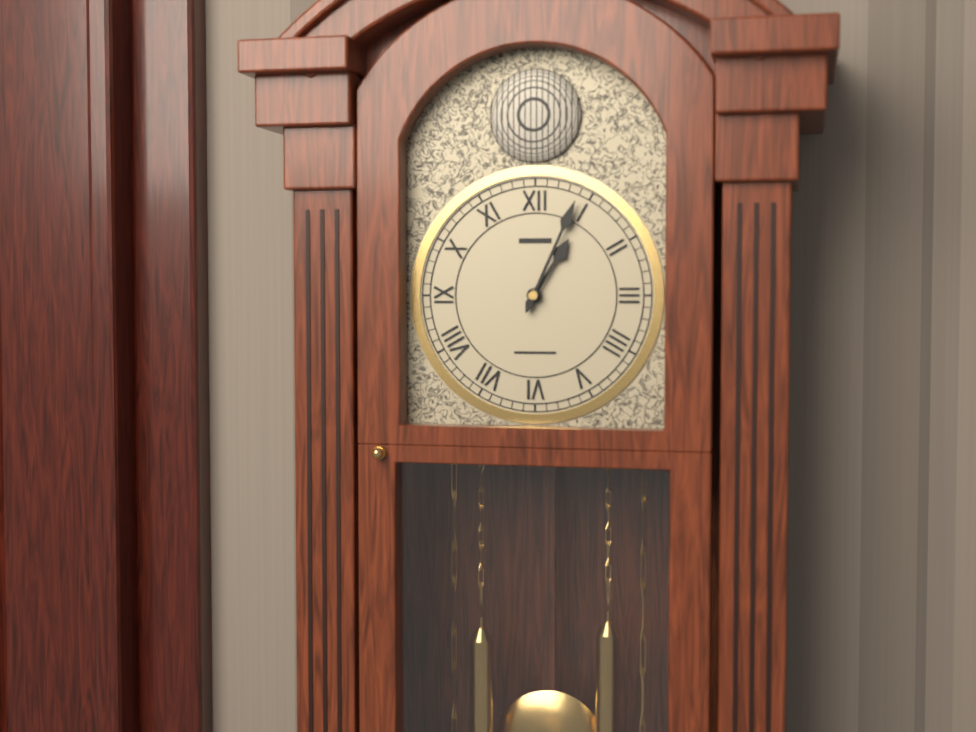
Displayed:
1,04
